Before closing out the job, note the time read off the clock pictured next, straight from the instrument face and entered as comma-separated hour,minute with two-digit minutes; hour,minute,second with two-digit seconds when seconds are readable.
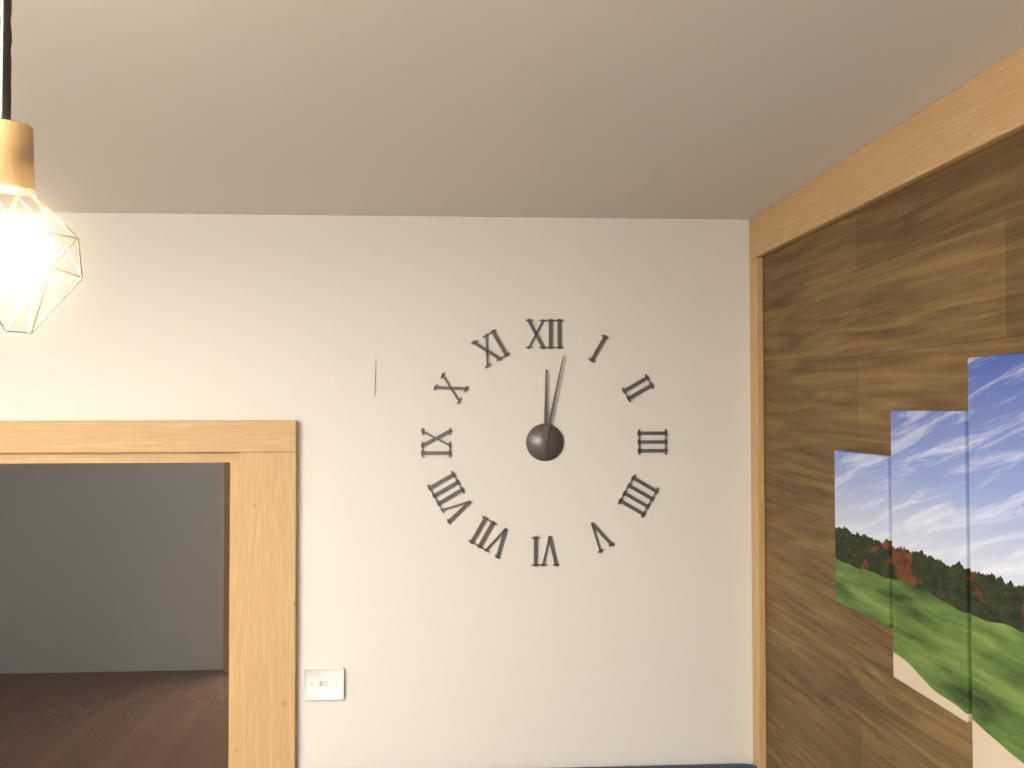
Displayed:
12,02
